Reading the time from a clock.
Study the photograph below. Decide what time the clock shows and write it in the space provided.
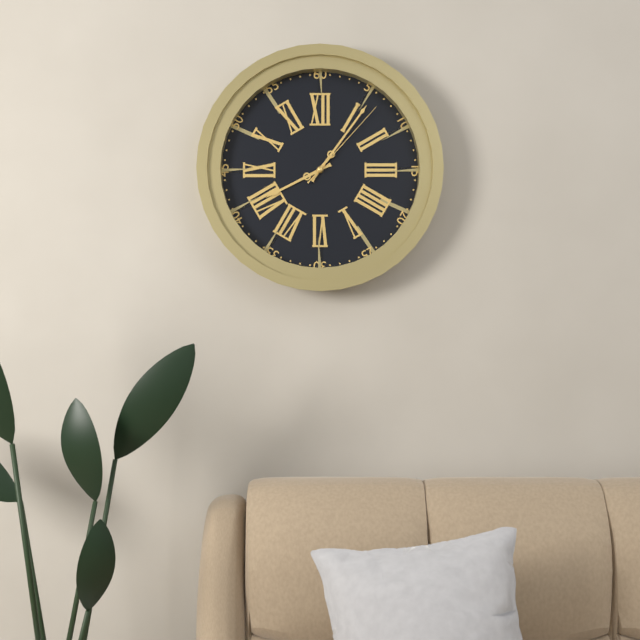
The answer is 8:06:07
